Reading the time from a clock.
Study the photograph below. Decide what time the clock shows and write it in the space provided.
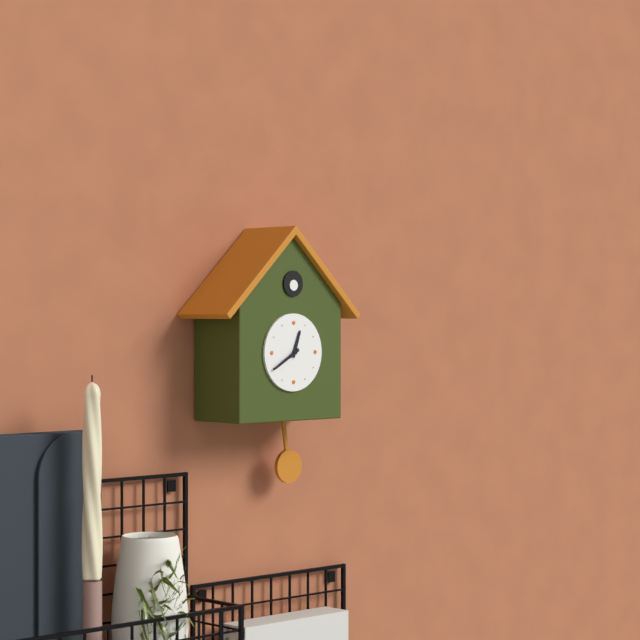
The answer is 12:40
